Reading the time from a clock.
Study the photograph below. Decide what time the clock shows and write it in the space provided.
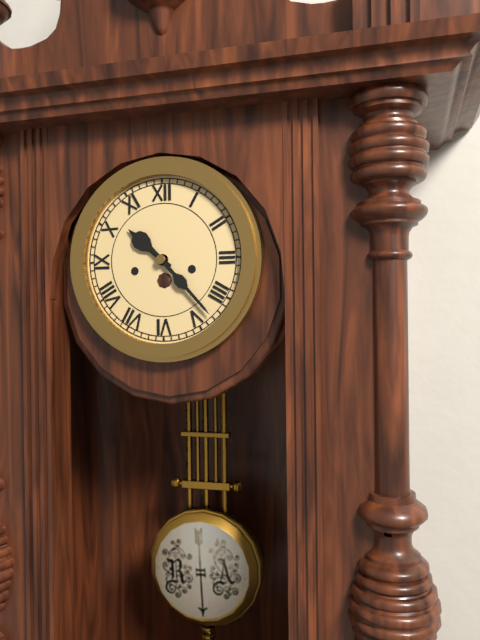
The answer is 10:23
